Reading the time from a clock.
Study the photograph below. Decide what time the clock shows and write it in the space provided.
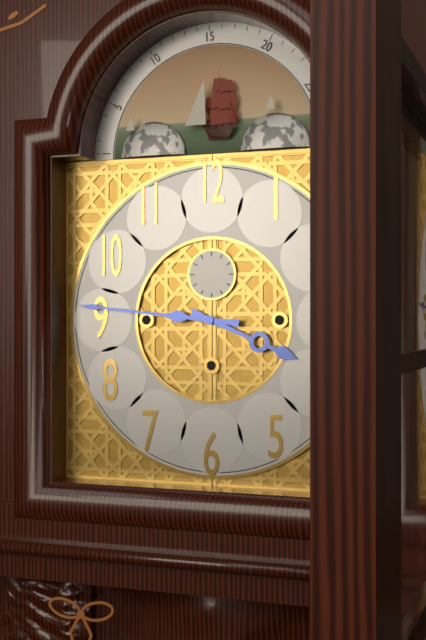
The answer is 3:46
